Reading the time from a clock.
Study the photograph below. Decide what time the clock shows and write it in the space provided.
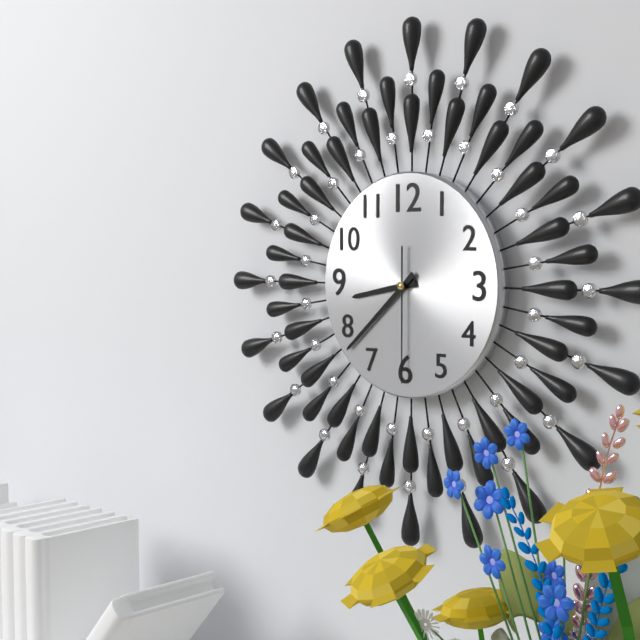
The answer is 8:38:30
